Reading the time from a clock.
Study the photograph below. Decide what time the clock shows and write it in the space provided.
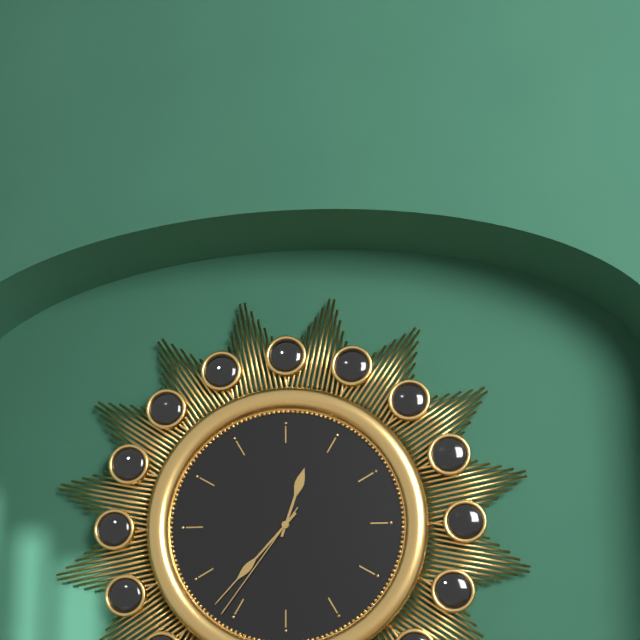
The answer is 12:37:36
